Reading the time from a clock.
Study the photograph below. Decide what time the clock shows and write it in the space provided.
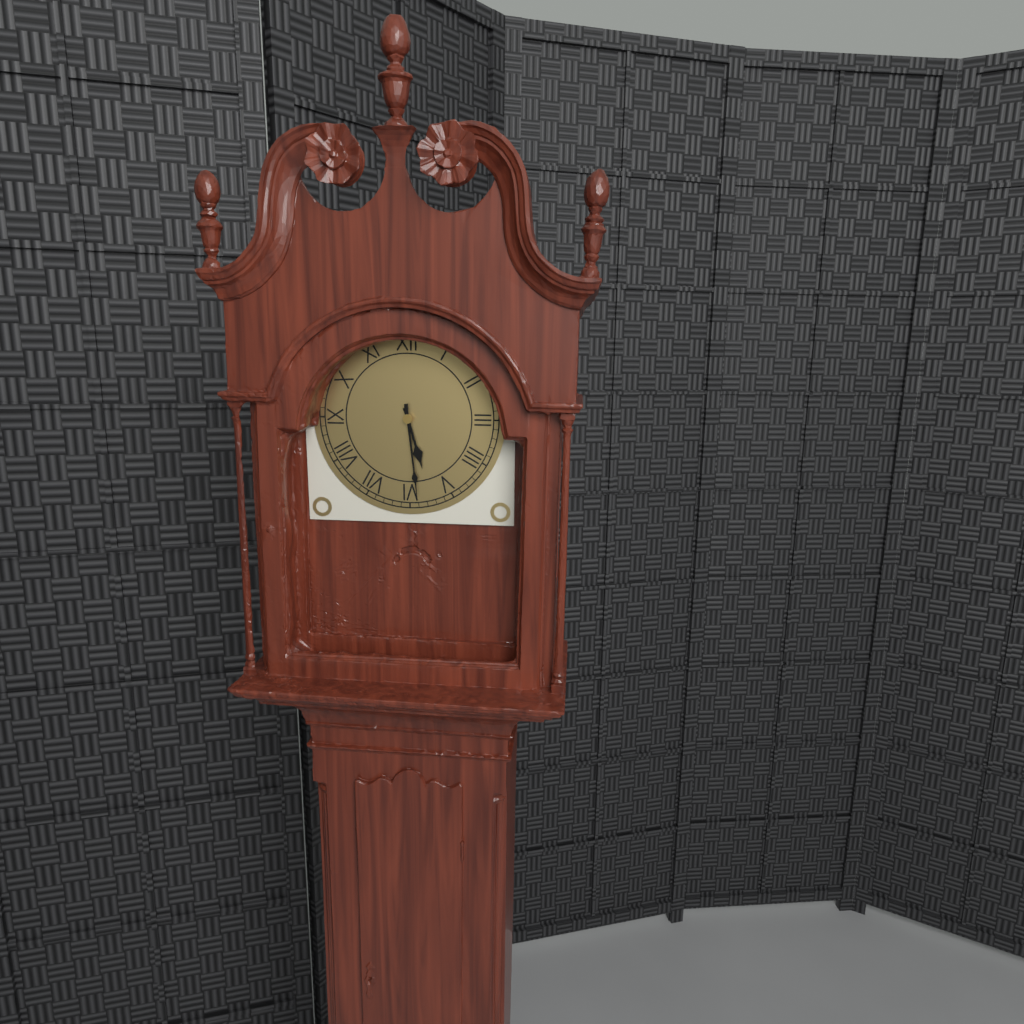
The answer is 5:29
